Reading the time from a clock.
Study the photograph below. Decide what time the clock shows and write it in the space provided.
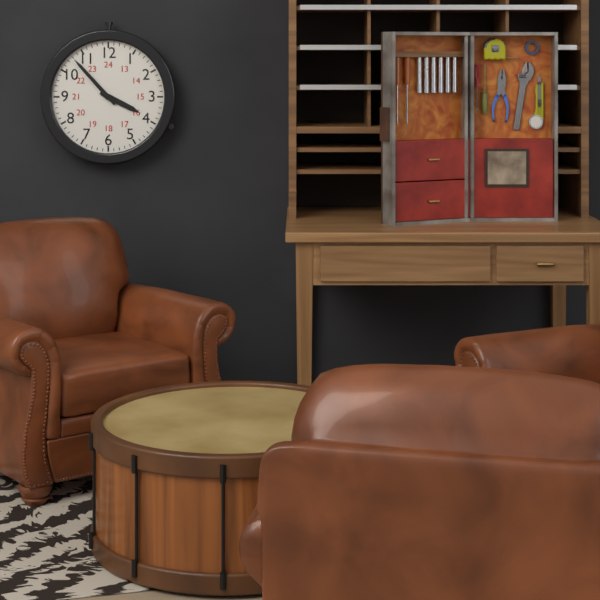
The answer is 3:53
